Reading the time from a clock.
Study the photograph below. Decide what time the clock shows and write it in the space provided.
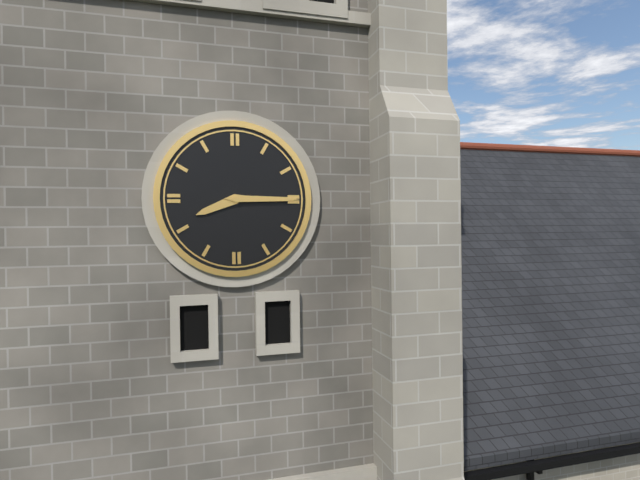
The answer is 8:15
